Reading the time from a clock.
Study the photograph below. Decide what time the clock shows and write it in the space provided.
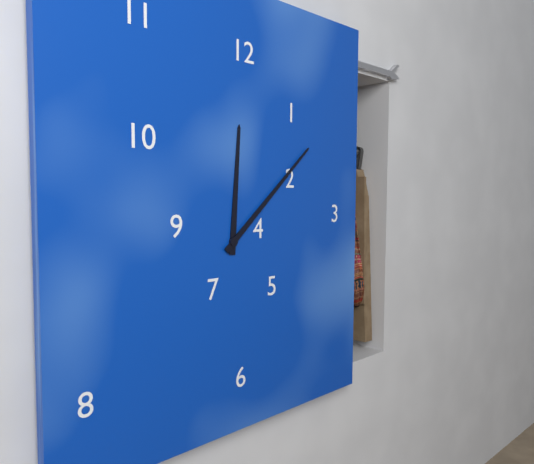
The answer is 12:08
